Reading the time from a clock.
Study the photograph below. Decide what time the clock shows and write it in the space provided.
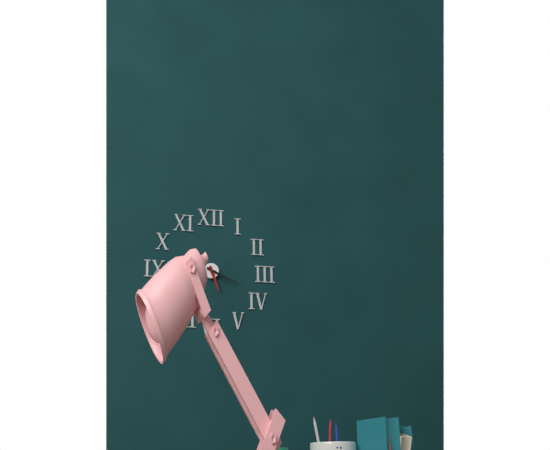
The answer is 5:19
